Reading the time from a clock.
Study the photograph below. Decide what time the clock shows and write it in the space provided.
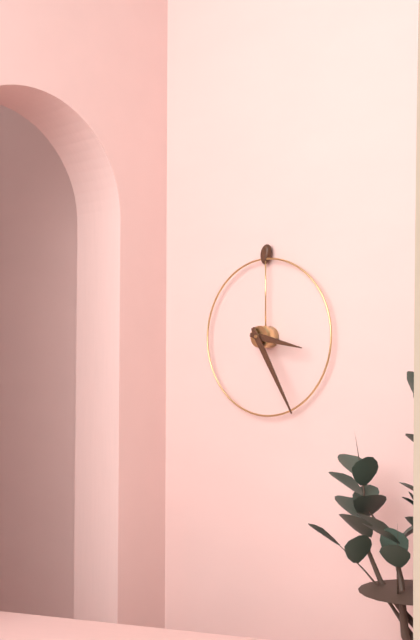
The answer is 3:25
